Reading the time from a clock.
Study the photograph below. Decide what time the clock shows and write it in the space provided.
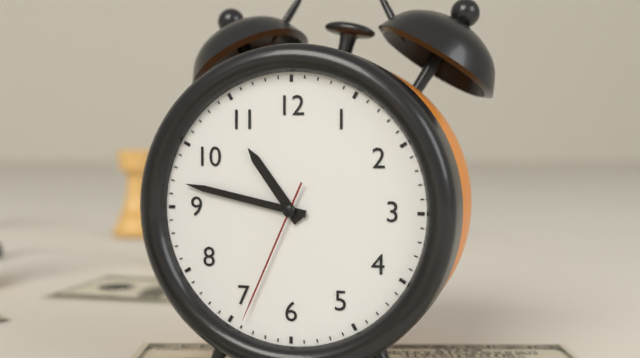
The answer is 10:47:34
